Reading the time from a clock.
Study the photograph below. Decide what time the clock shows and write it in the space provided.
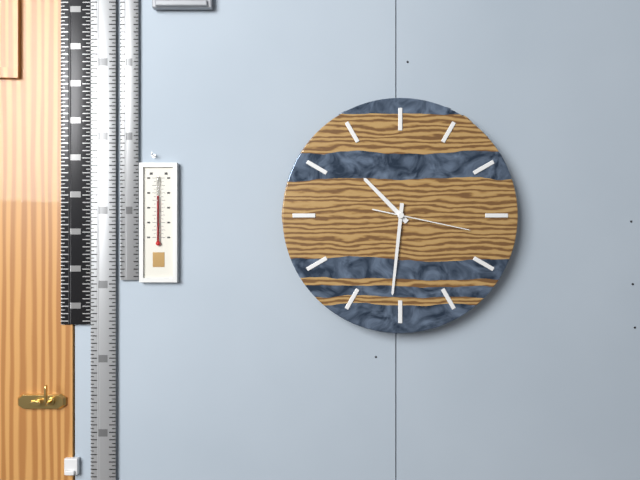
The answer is 10:31:17
